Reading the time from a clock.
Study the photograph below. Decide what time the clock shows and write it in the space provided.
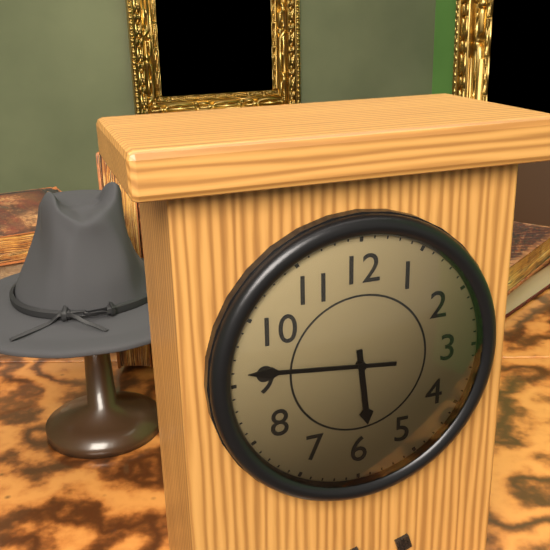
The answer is 5:46
